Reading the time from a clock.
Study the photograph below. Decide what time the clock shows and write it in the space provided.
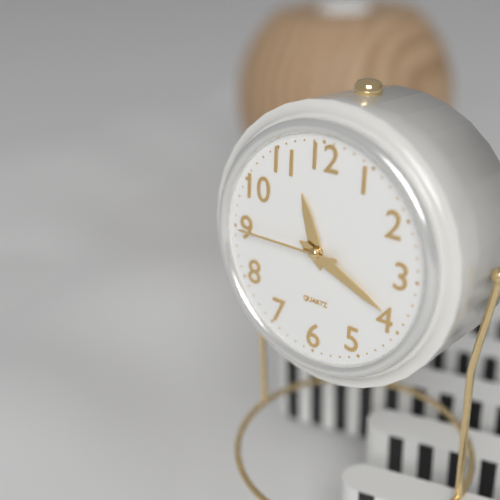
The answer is 11:19:45
